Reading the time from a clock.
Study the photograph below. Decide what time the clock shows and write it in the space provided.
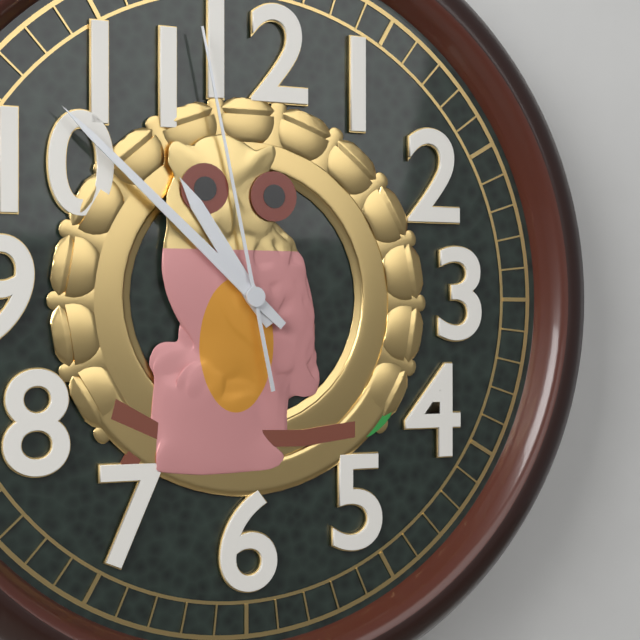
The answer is 10:52:58
